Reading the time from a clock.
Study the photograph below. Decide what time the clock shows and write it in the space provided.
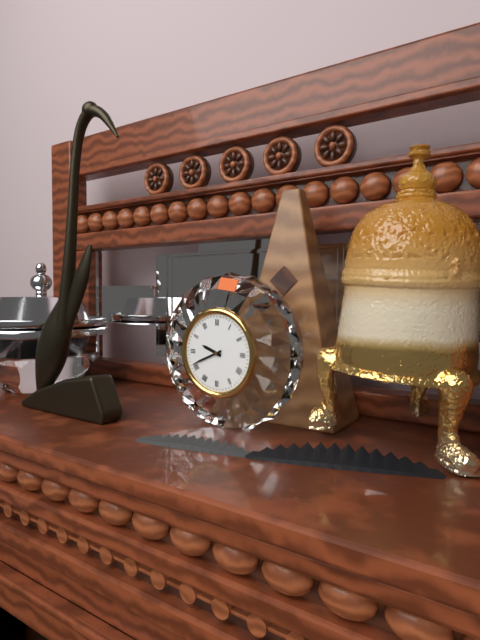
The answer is 9:41
